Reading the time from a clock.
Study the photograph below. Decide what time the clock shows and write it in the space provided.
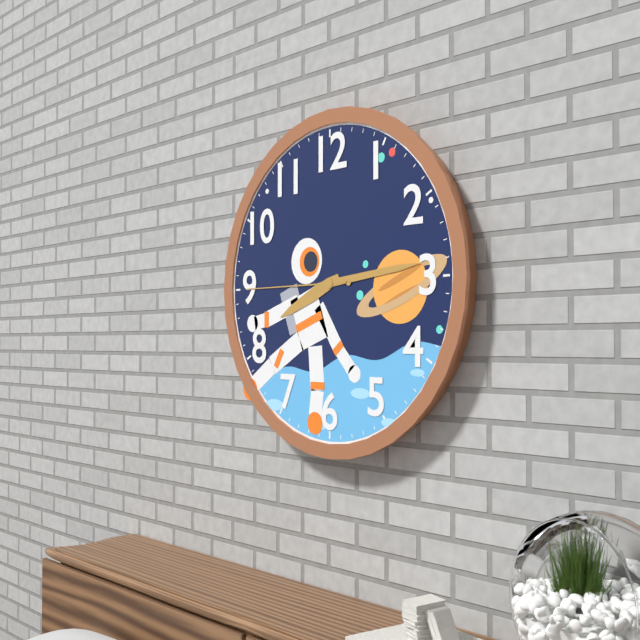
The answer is 8:14:45
